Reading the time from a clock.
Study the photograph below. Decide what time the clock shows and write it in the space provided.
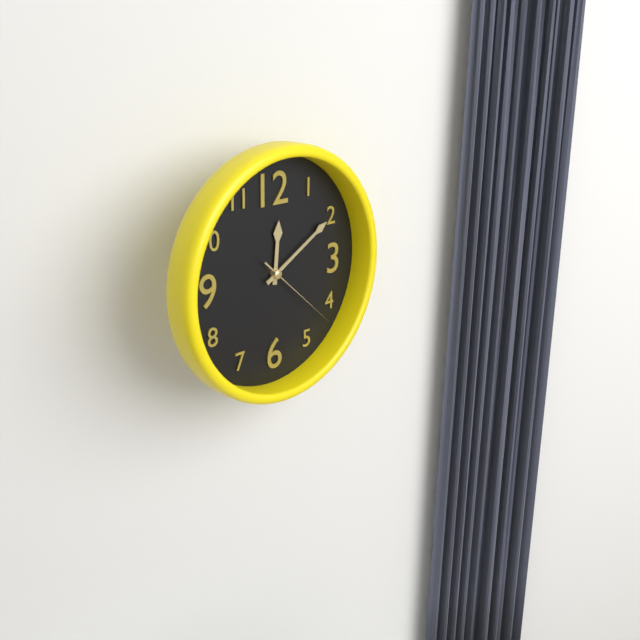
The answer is 12:10:22
